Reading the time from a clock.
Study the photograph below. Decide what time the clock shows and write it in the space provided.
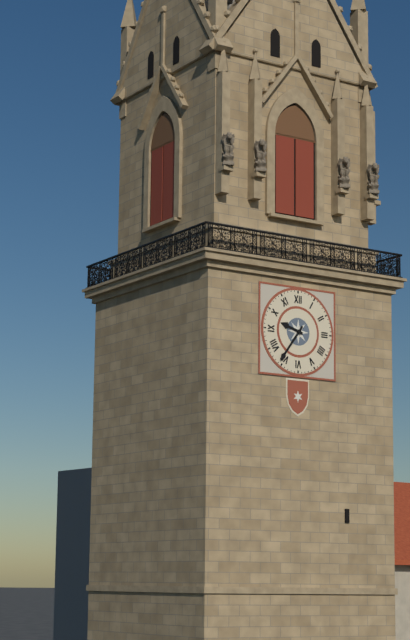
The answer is 9:36
